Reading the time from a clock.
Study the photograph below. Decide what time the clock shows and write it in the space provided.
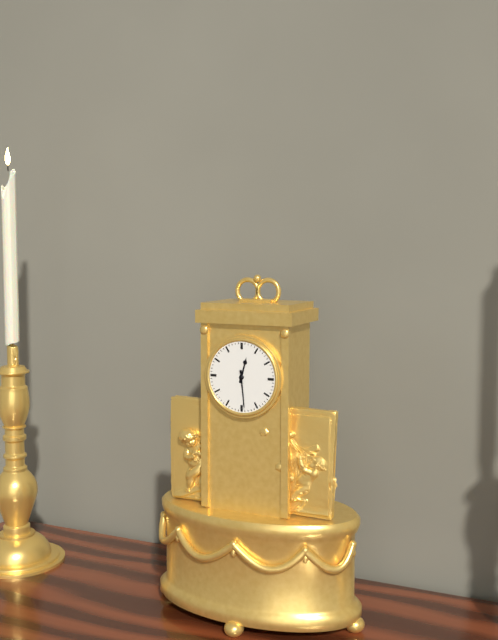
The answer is 12:29
